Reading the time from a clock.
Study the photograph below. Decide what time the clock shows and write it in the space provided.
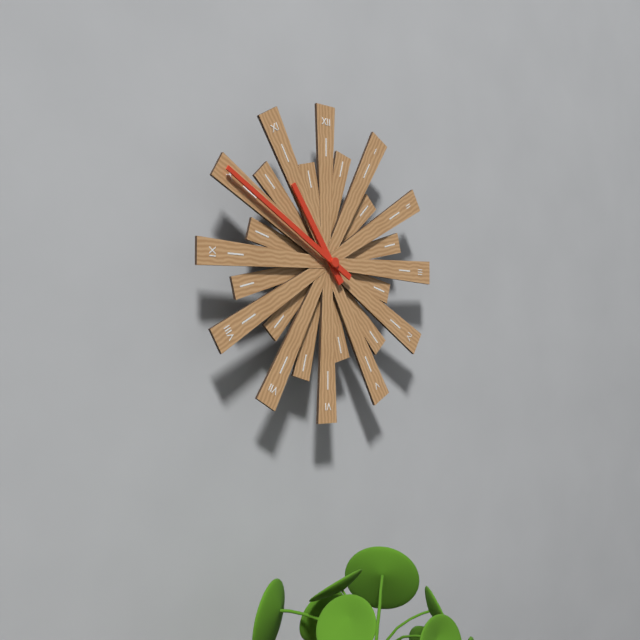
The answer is 10:50
